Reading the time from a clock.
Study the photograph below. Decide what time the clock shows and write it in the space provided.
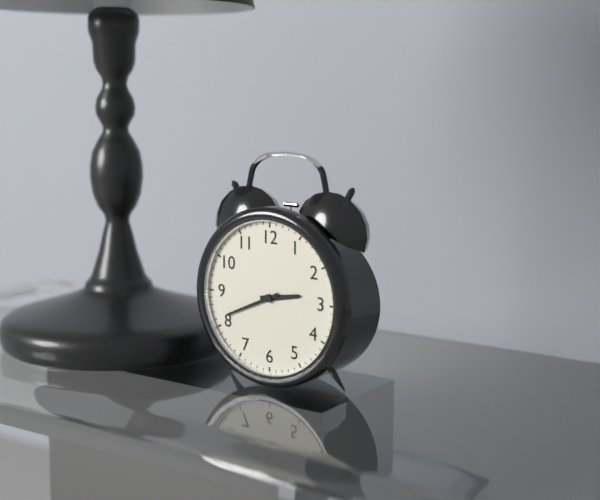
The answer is 2:41
